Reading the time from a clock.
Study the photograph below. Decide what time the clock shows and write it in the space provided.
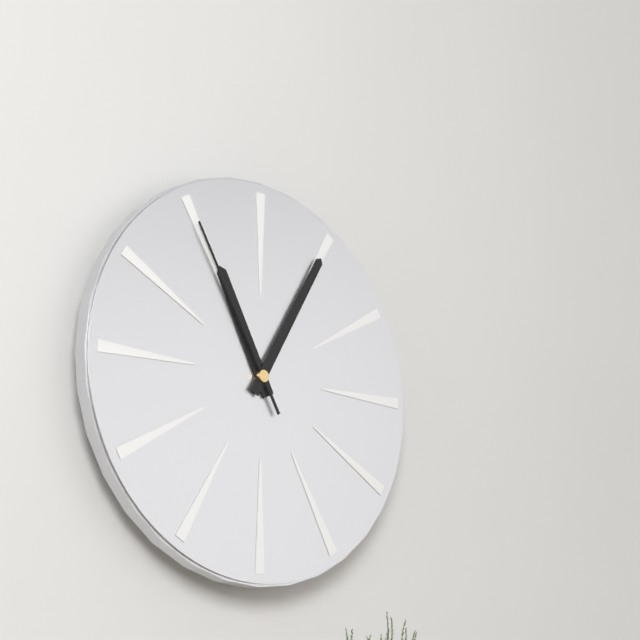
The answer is 11:05:55
